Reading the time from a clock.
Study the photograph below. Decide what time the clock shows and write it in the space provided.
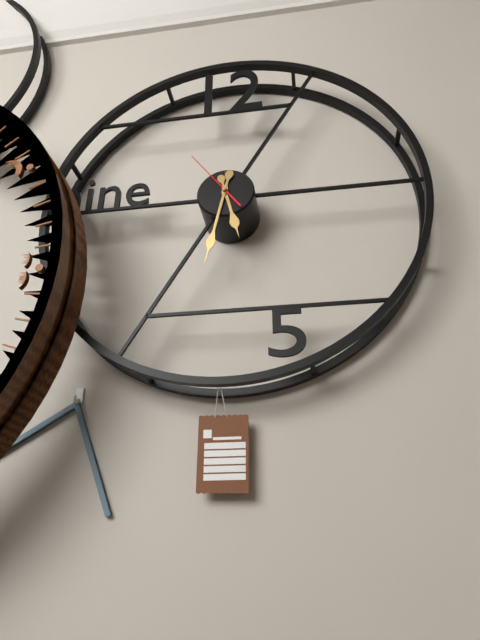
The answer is 5:32:54
